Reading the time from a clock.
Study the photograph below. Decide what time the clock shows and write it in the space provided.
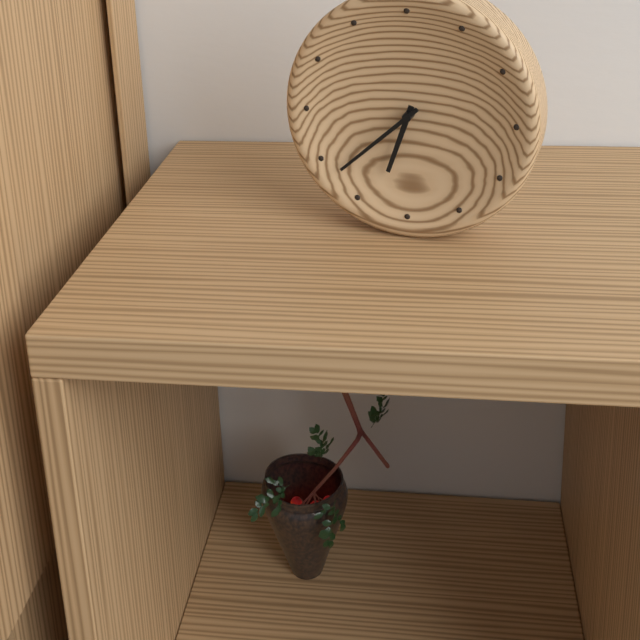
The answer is 6:38
